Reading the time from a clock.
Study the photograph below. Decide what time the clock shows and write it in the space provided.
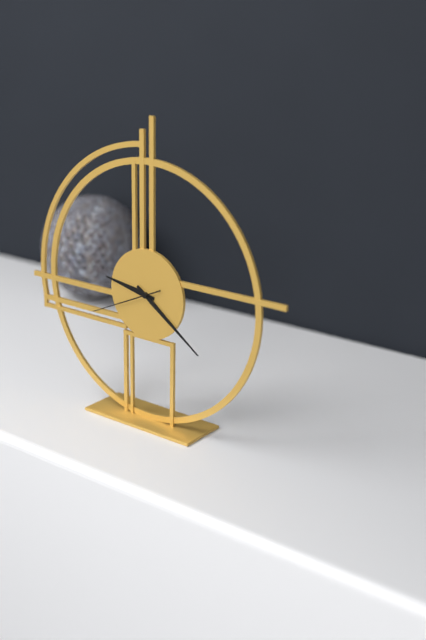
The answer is 9:21:41
